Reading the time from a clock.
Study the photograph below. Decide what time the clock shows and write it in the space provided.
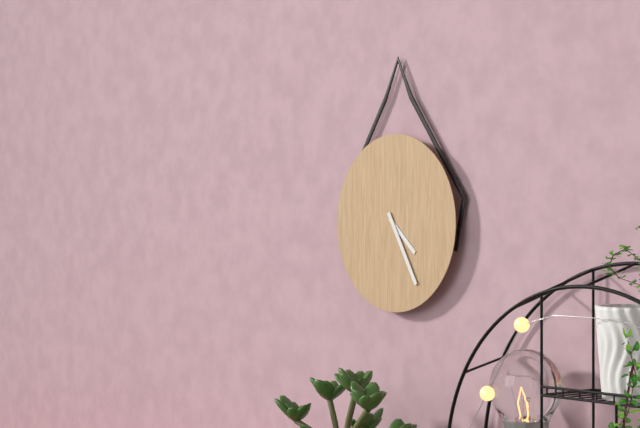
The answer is 4:25
